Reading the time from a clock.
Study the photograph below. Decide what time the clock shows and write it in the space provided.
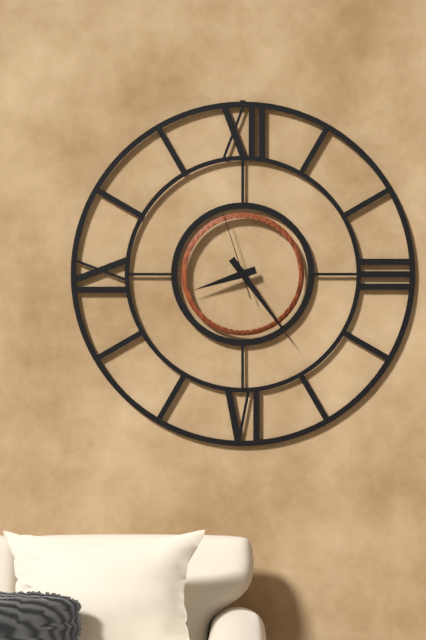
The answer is 8:24:57
